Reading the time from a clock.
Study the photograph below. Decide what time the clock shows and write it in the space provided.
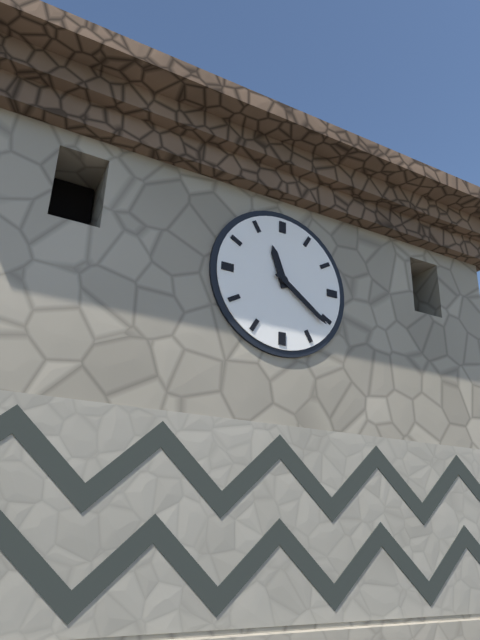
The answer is 11:21
